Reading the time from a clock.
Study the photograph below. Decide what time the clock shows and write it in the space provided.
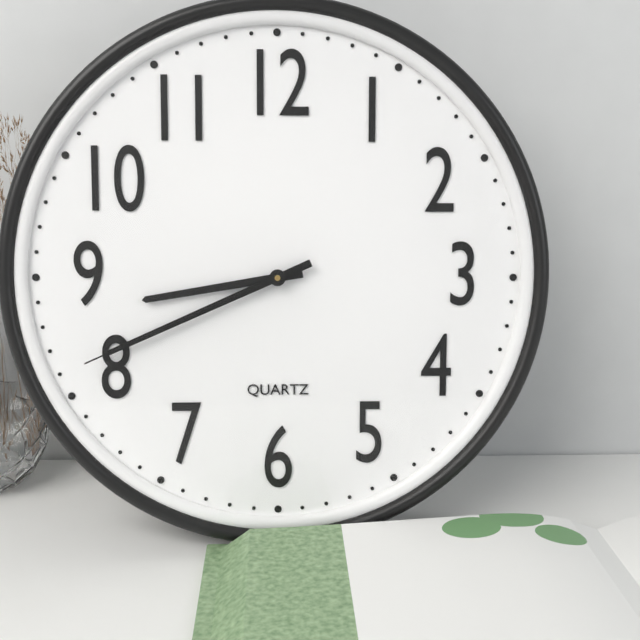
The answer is 8:41:41
